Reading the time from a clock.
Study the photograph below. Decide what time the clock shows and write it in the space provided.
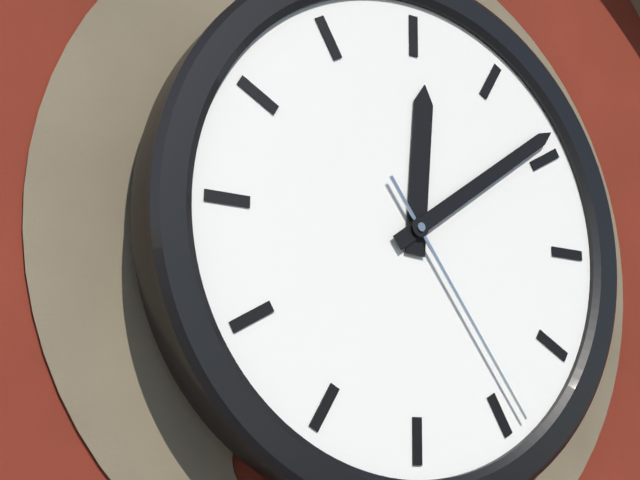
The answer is 12:09:24
